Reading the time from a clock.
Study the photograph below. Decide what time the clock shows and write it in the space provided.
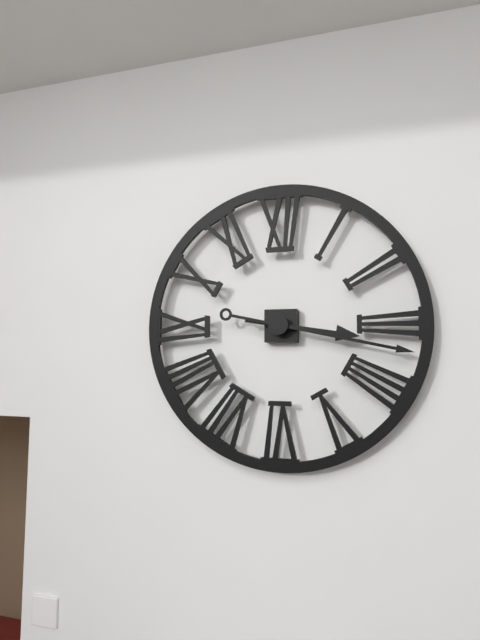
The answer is 3:17
